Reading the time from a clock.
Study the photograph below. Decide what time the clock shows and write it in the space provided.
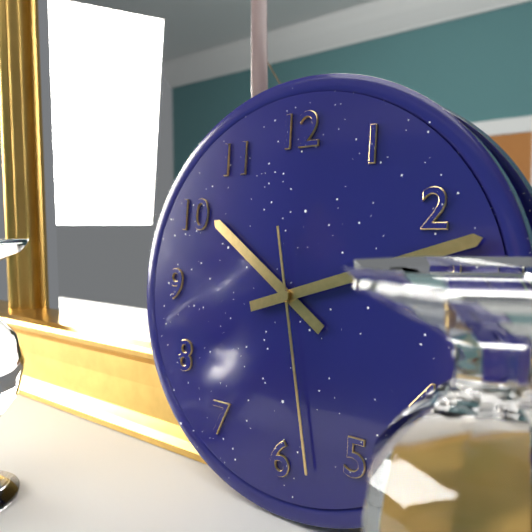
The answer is 10:12:28
